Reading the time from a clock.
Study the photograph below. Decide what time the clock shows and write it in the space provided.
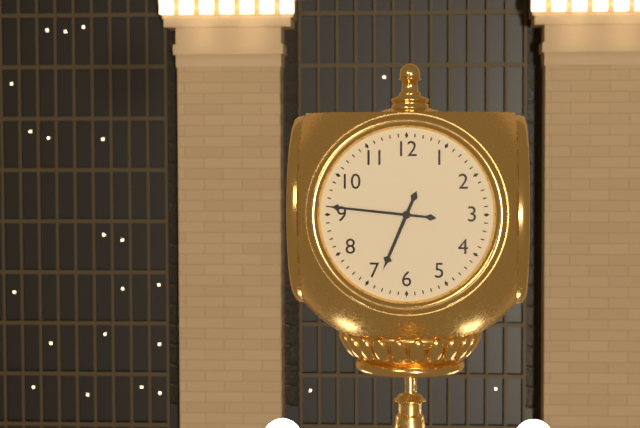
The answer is 6:46
